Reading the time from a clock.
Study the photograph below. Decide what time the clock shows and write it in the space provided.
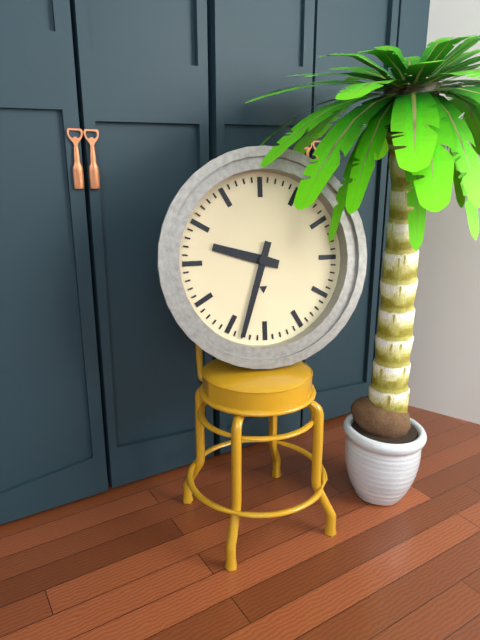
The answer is 9:33
